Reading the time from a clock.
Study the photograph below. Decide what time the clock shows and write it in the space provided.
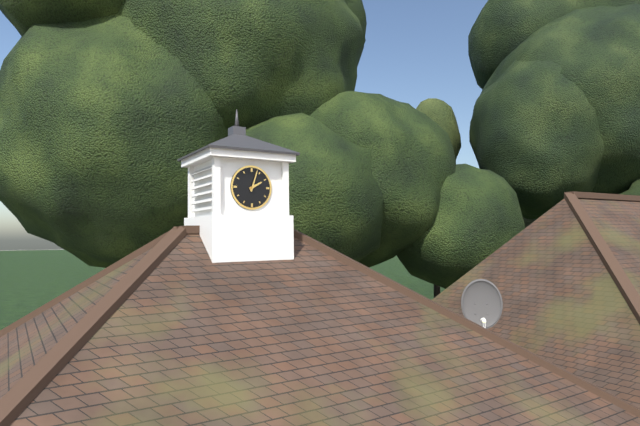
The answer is 2:03
